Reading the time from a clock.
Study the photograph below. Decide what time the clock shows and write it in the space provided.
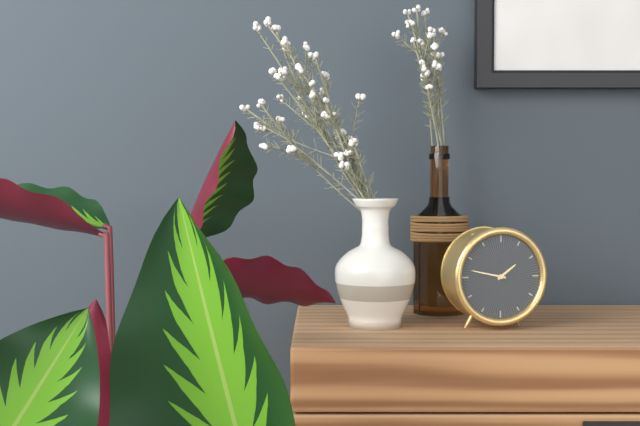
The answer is 1:47
